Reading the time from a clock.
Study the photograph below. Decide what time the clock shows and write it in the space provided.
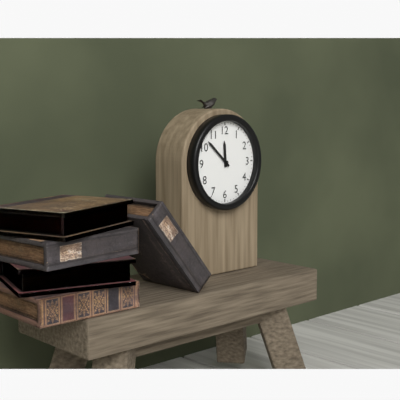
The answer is 11:52
